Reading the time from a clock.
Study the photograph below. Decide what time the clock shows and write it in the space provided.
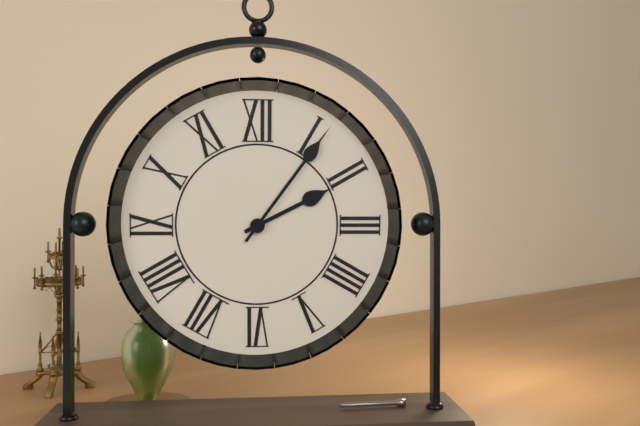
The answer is 2:06
